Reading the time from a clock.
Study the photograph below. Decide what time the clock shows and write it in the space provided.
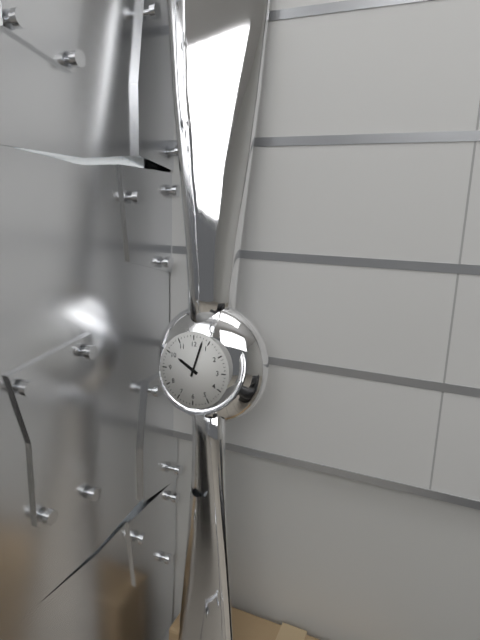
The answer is 10:03
